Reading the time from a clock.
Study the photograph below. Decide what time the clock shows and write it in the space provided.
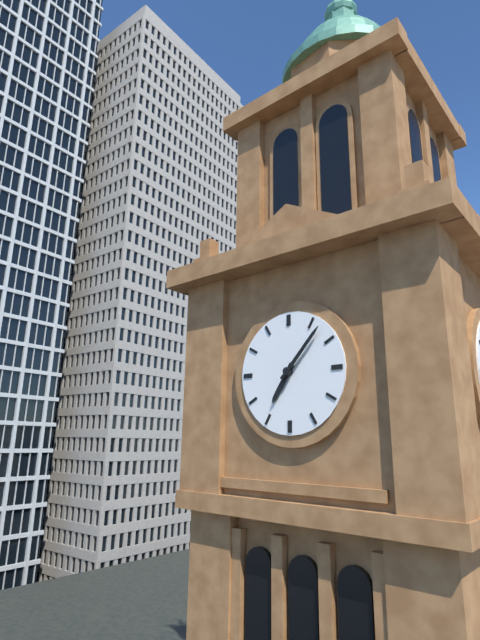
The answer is 7:07
